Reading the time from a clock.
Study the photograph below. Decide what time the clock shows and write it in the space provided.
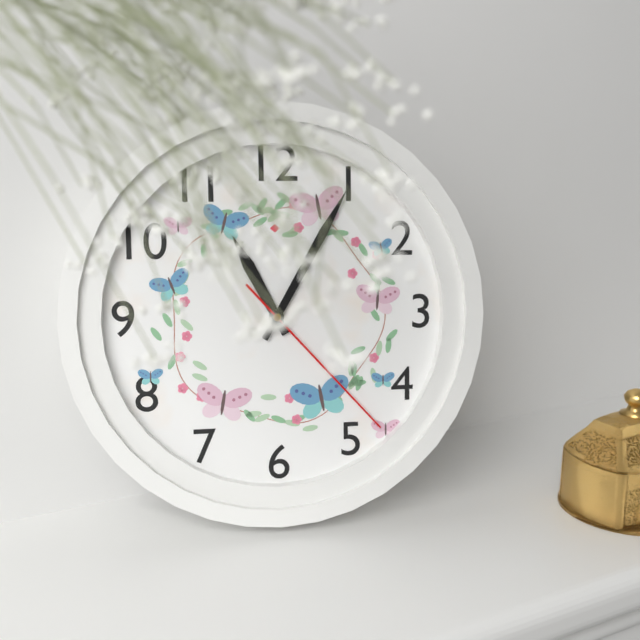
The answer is 11:05:23
